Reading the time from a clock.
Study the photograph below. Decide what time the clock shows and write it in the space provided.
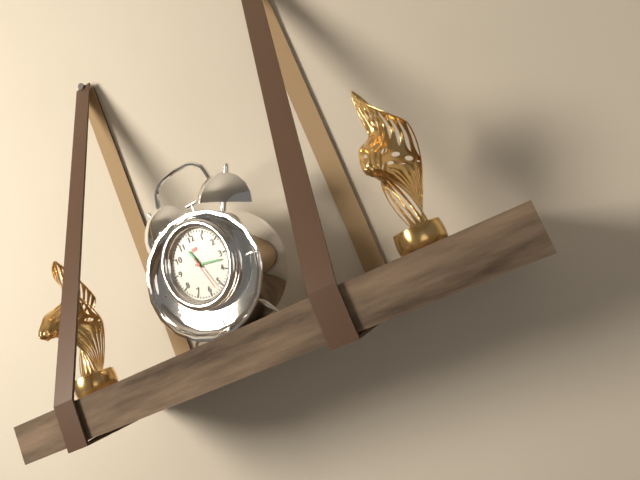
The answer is 11:17
